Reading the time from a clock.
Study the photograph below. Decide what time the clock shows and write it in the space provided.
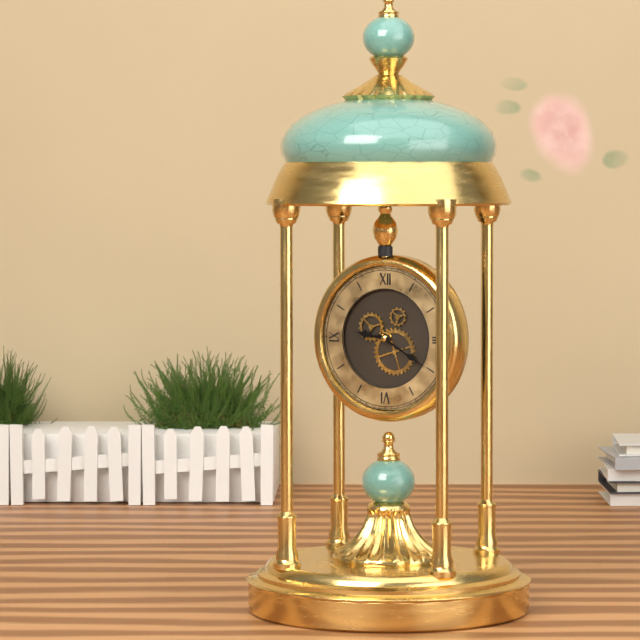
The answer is 9:20
